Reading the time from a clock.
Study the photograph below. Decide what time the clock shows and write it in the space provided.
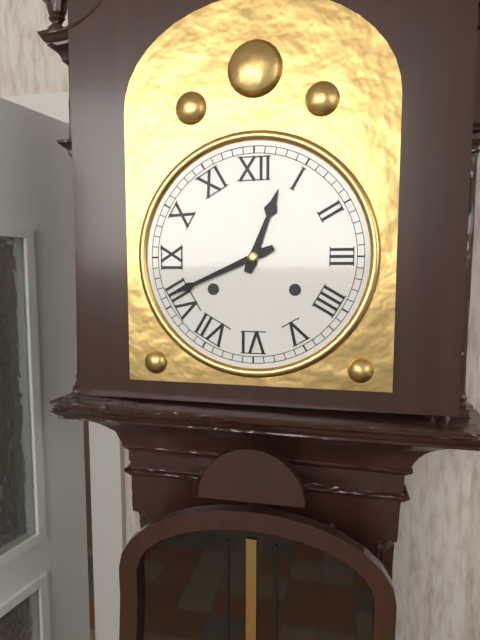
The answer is 12:41
